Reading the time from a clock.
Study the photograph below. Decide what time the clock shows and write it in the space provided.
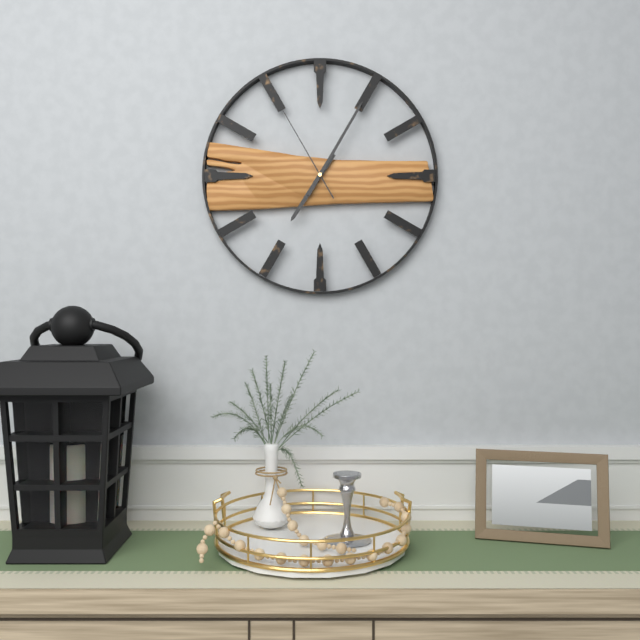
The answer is 7:05:55
